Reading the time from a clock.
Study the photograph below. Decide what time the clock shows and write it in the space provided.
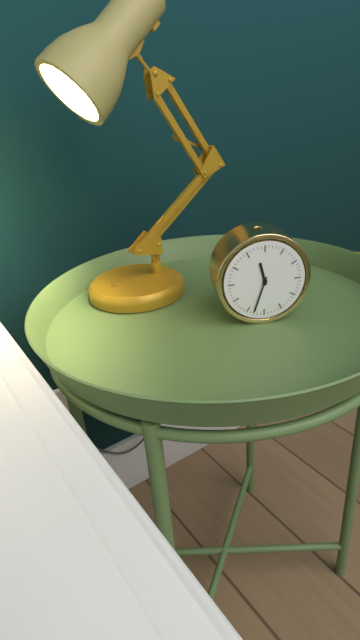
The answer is 11:33
